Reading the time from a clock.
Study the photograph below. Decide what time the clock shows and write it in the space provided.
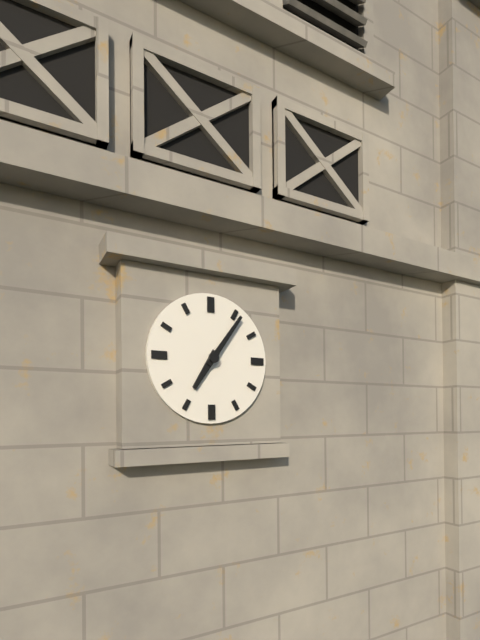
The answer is 7:06
